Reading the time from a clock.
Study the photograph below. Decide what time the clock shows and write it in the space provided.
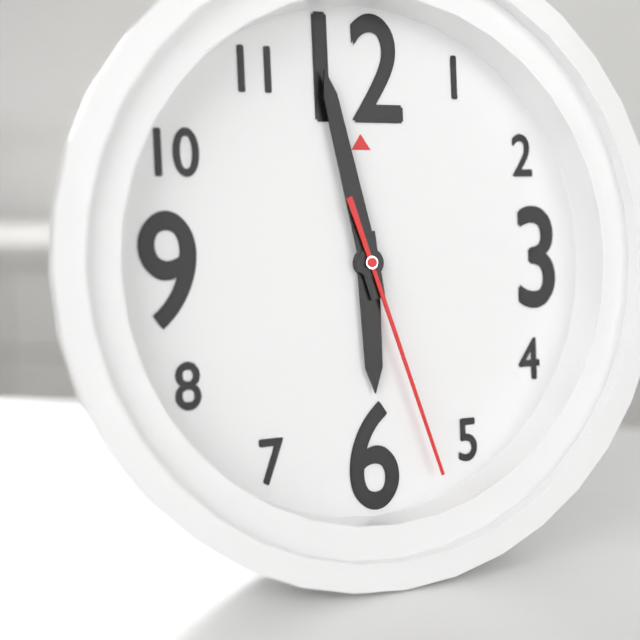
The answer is 5:58:27
